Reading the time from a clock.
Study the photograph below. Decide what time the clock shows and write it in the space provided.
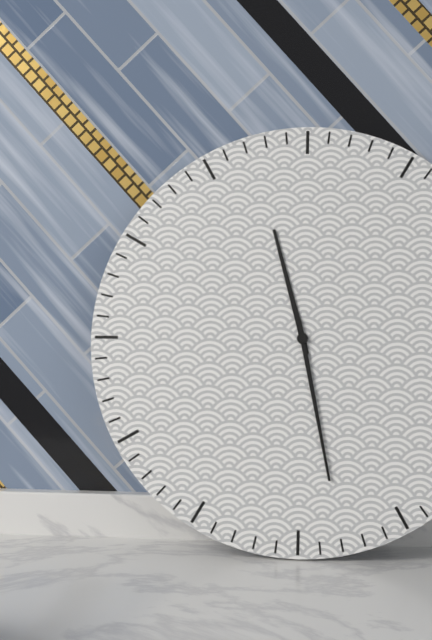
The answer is 11:28
